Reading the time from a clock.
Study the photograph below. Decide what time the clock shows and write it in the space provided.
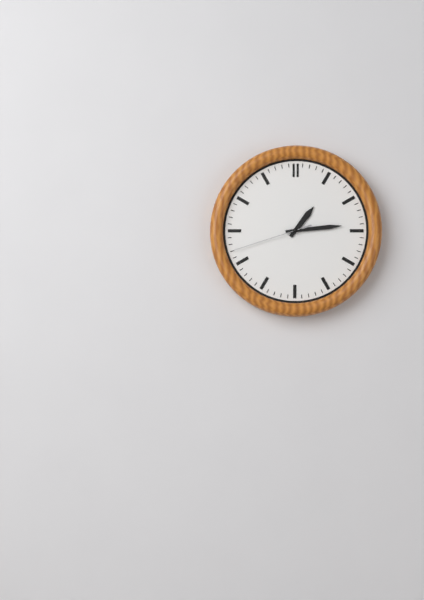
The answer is 1:14:42
